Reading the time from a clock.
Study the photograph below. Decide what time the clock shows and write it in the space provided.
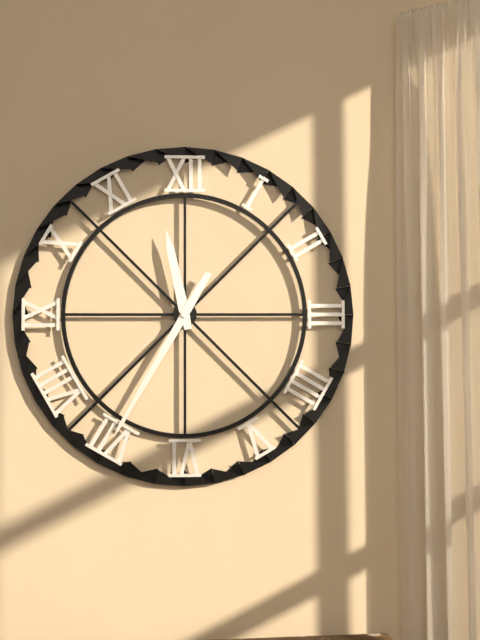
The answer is 11:35
